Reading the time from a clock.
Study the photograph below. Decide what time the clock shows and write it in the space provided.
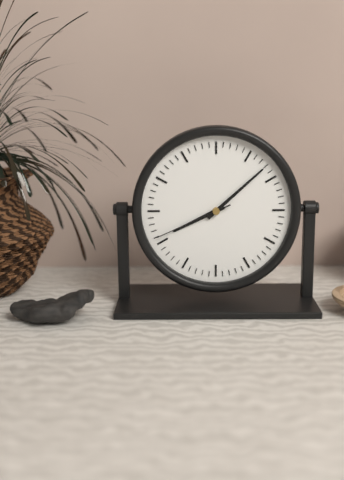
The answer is 8:08:41
